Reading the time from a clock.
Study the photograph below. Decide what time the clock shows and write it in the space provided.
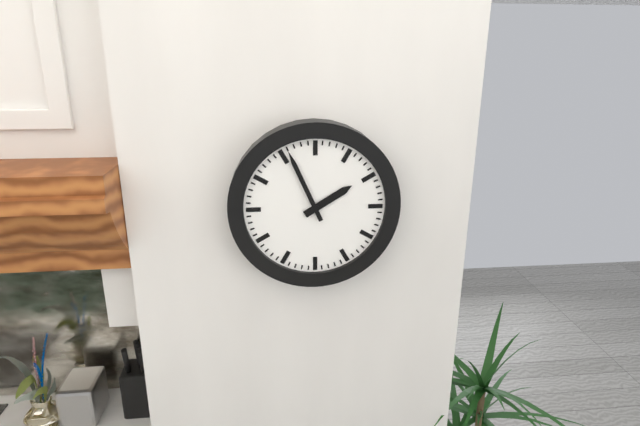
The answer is 1:56
